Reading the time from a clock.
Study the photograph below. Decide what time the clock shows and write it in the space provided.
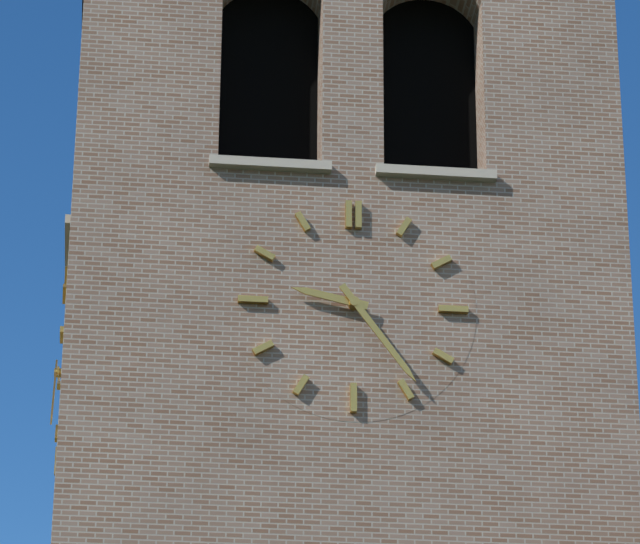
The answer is 9:24
